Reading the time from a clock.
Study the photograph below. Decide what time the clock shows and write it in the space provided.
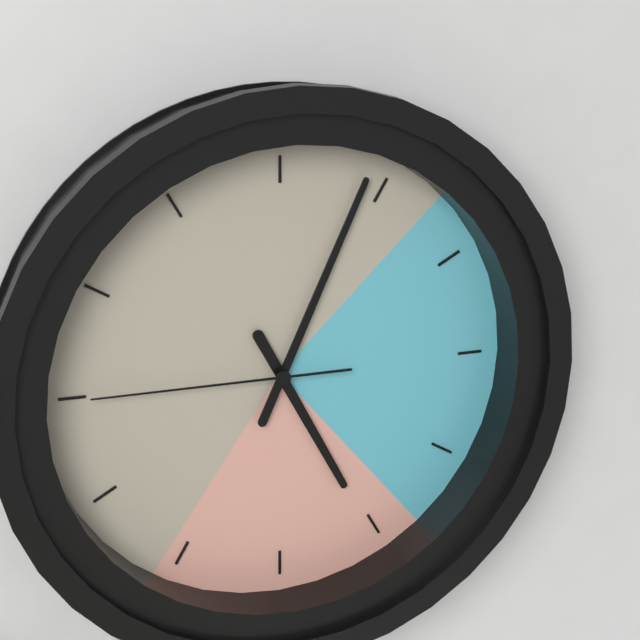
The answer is 5:04:45
